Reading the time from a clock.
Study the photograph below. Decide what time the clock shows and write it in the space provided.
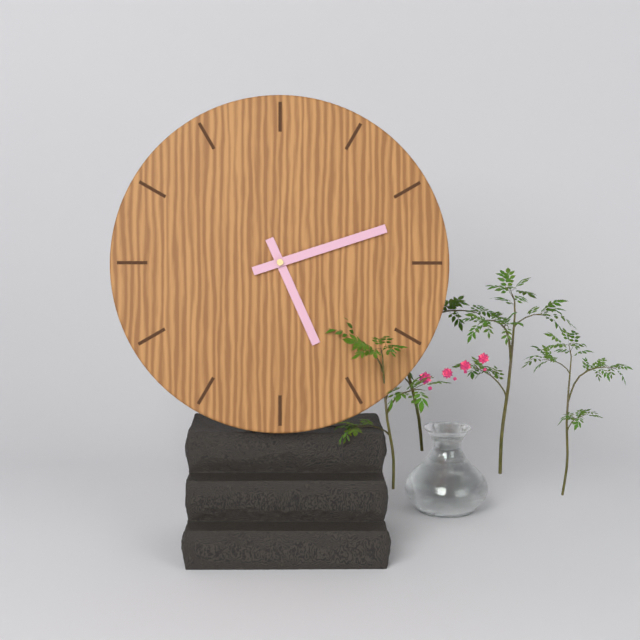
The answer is 5:12
